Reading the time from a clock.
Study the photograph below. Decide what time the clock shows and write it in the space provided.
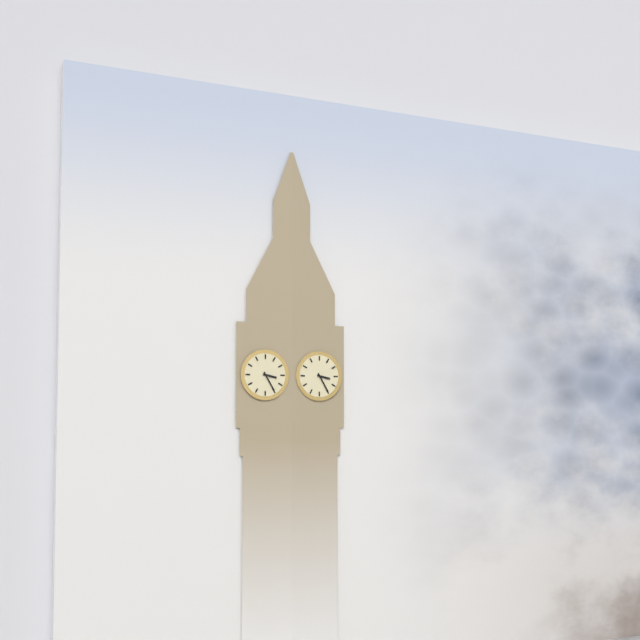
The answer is 3:25
